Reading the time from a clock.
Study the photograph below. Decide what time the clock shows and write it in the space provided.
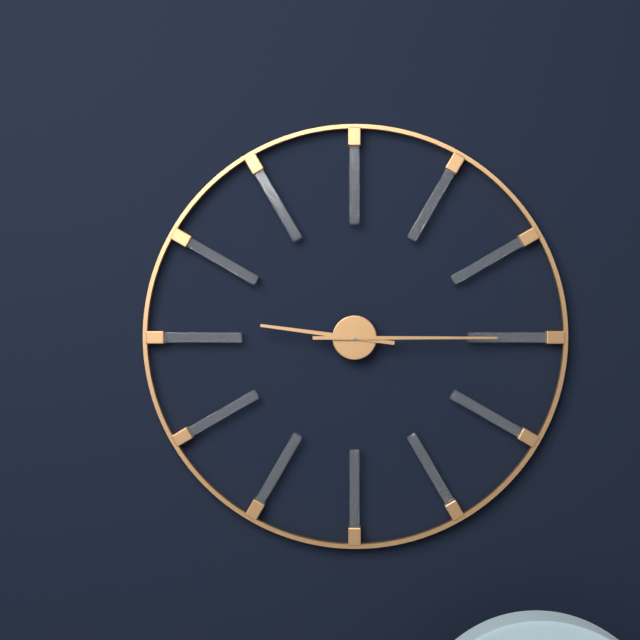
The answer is 9:15
